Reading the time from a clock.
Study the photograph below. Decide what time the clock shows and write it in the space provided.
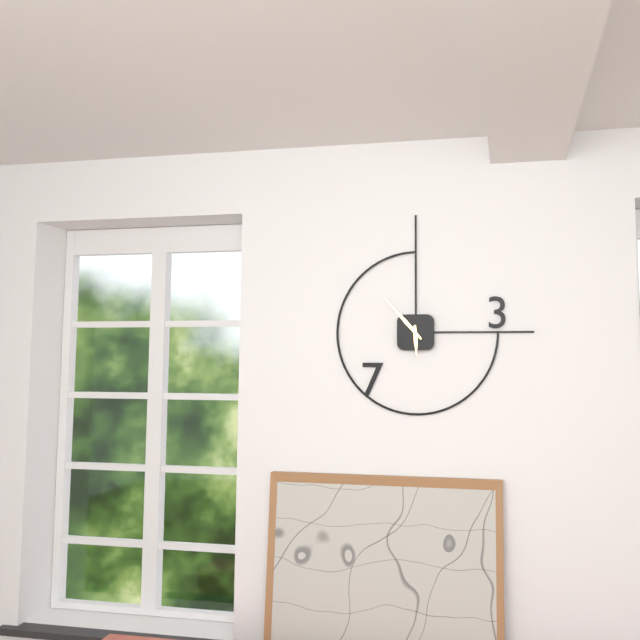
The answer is 5:53
